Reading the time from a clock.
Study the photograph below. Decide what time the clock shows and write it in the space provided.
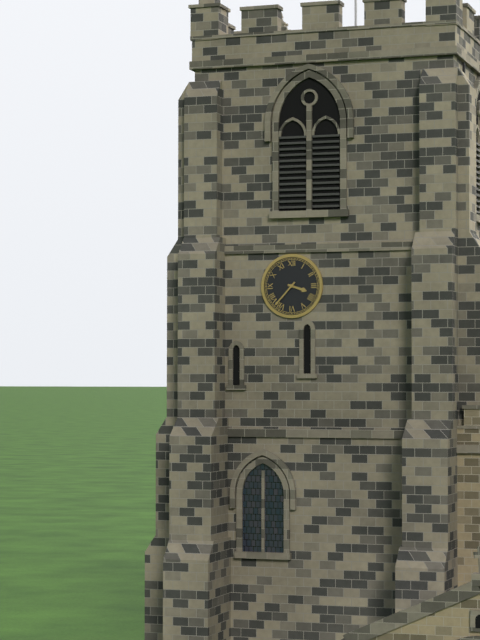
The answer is 3:37
